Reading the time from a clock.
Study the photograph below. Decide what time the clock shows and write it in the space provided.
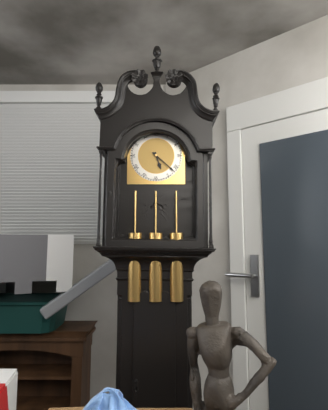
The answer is 5:22
